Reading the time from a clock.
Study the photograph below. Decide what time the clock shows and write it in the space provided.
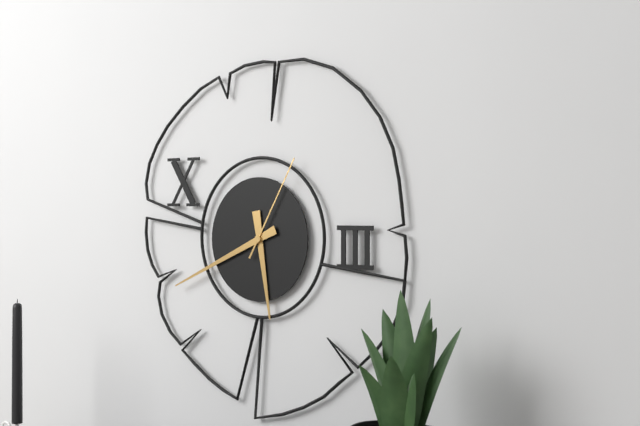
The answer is 5:41:05
